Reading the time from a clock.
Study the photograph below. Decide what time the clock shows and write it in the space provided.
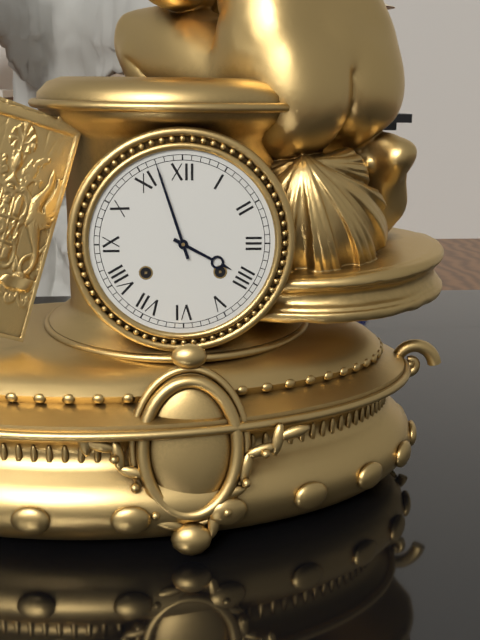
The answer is 3:57
